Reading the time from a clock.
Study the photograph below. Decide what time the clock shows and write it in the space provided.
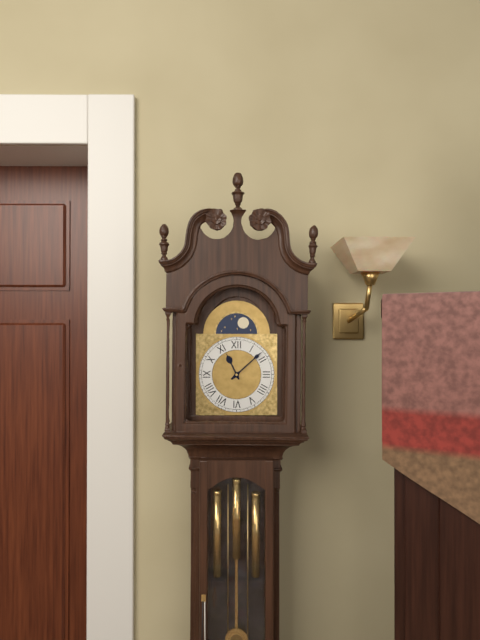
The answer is 11:08
